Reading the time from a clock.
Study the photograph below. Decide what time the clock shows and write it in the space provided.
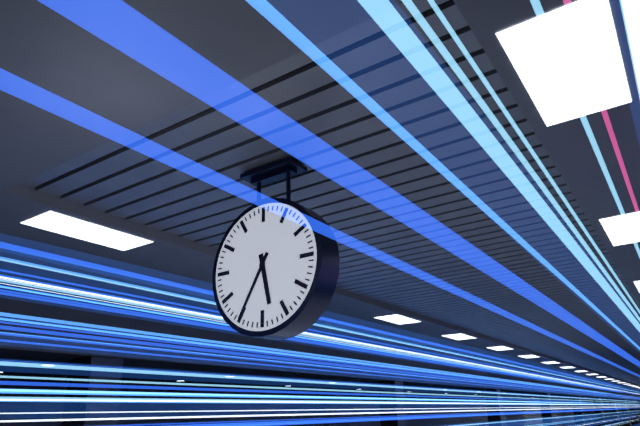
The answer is 5:35
